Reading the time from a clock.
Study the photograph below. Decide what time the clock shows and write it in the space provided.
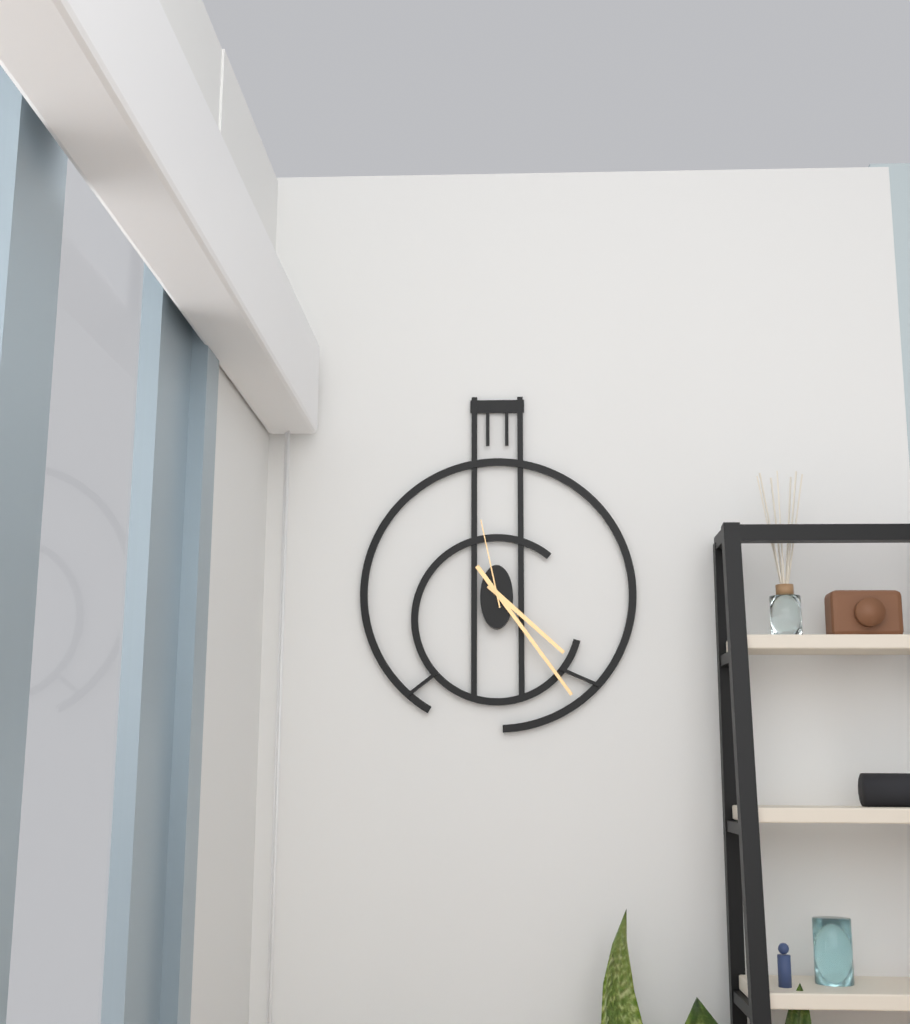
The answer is 4:24:58
